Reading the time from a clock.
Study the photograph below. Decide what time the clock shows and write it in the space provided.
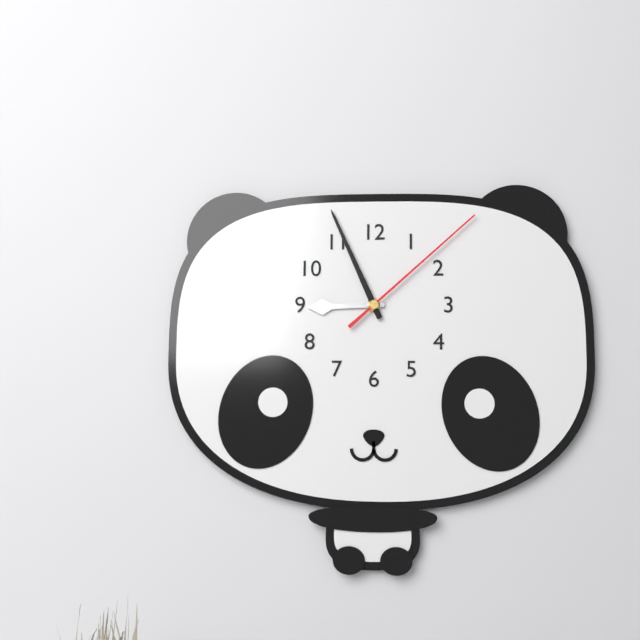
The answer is 8:56:08
